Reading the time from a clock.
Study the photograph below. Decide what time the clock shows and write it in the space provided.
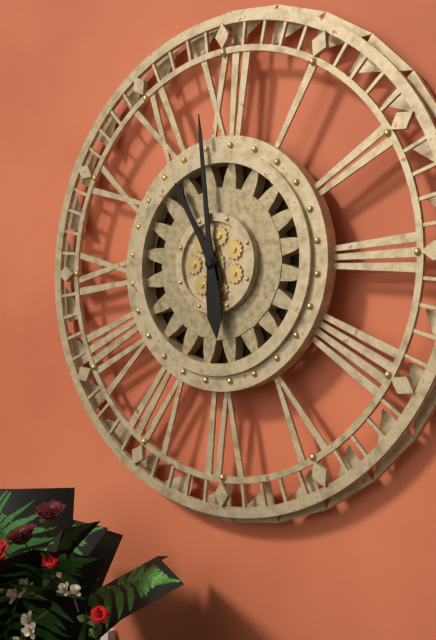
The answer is 10:59
